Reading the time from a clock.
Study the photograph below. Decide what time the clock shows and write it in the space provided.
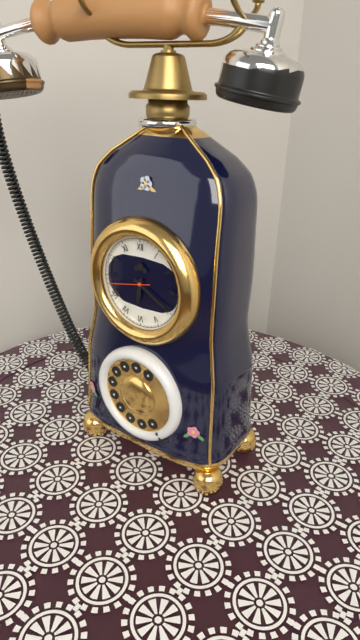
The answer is 6:20
